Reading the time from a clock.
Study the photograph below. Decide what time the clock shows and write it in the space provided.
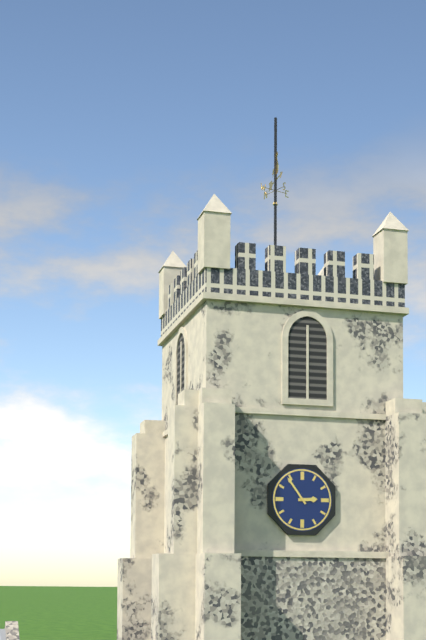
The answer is 2:54
